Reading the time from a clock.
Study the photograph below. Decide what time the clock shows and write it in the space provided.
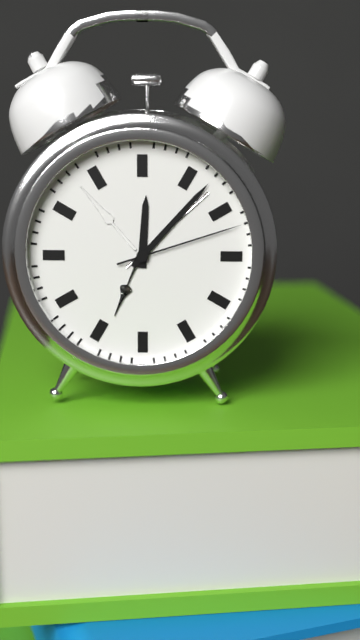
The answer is 12:07:12
